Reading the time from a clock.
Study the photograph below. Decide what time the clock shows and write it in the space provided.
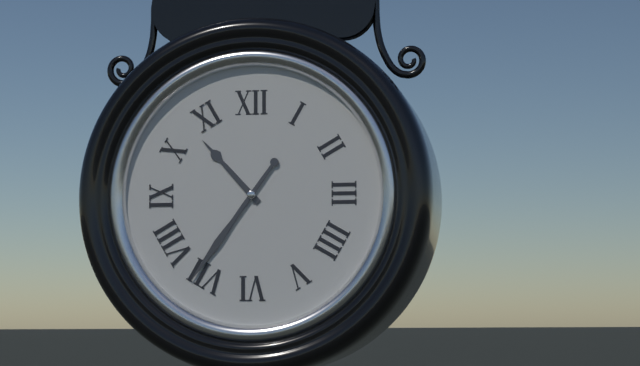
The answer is 10:36
